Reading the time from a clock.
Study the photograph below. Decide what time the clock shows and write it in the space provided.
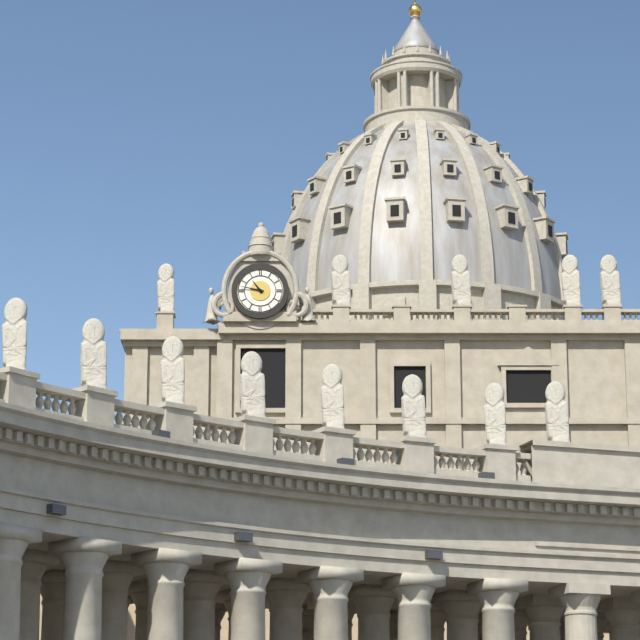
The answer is 10:47
